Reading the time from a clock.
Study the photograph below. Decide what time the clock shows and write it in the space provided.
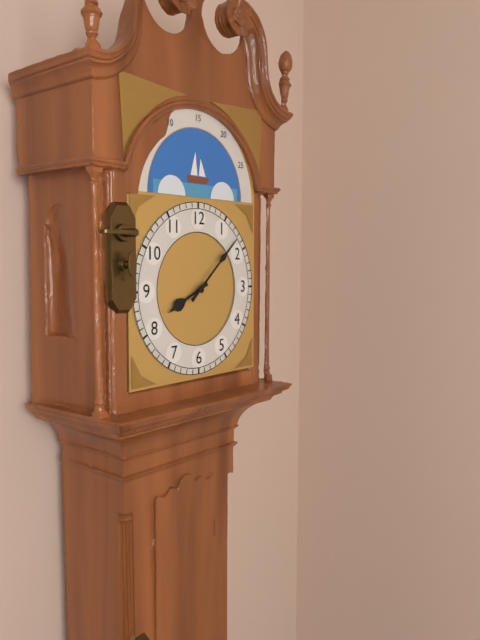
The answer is 8:08
